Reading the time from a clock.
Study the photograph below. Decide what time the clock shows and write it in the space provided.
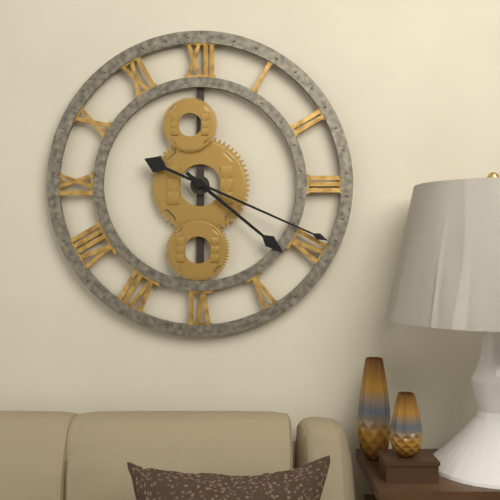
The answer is 4:19
